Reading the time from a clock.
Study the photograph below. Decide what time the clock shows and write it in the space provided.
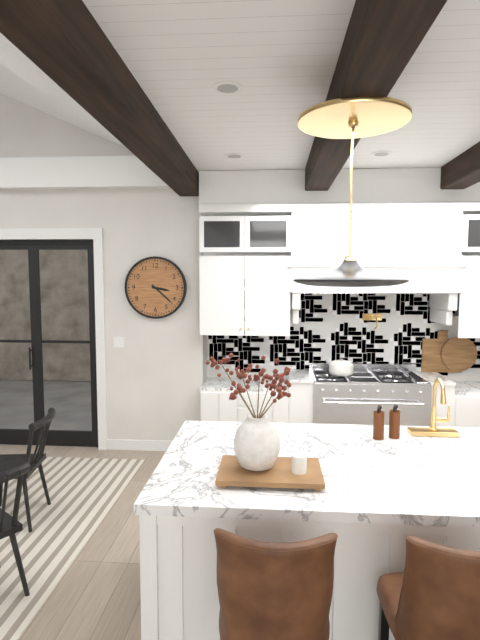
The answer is 3:22
